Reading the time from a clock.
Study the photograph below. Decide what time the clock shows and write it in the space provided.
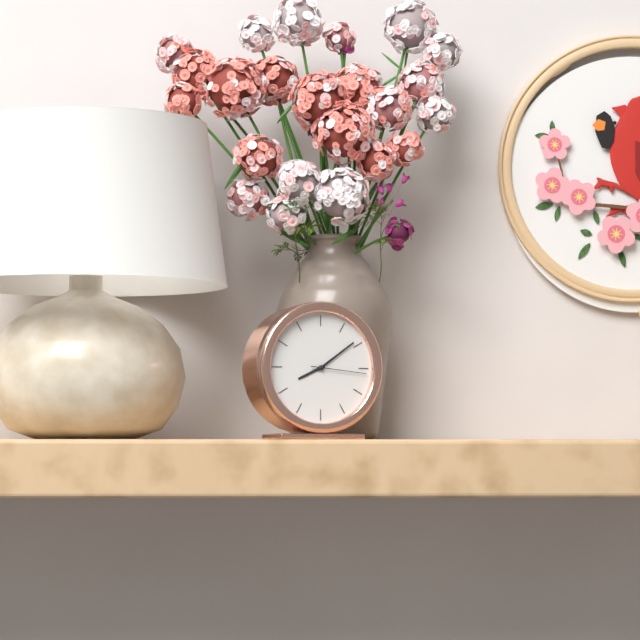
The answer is 8:09:16
